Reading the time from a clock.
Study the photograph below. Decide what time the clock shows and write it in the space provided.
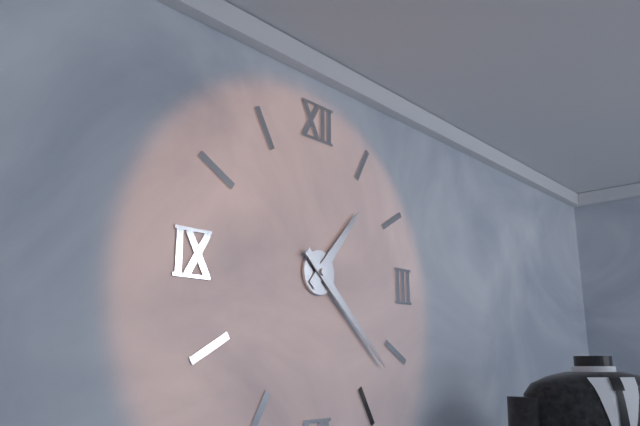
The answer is 1:22
